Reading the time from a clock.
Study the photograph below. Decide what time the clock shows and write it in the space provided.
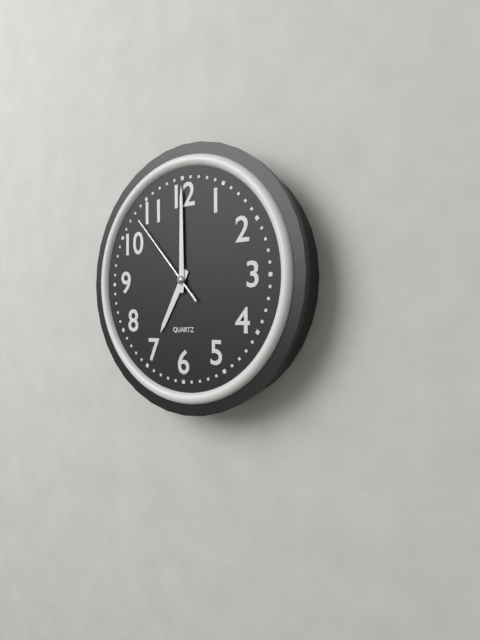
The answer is 7:00:53
